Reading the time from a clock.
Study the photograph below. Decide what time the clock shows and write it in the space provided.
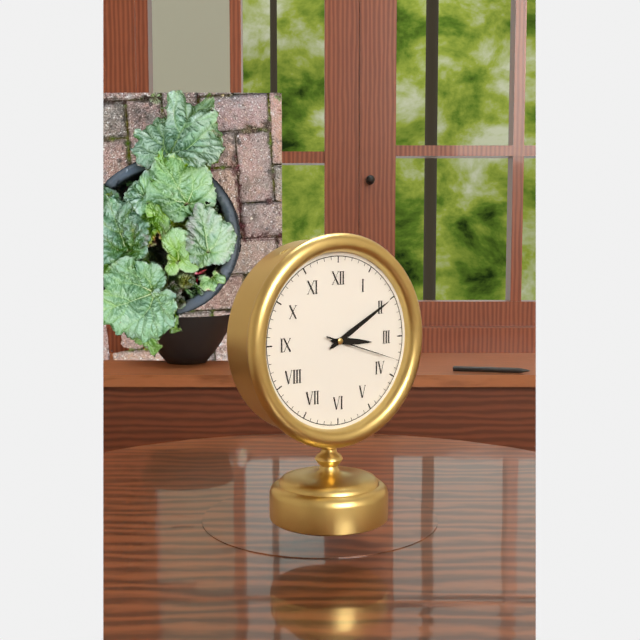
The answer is 3:10:18
